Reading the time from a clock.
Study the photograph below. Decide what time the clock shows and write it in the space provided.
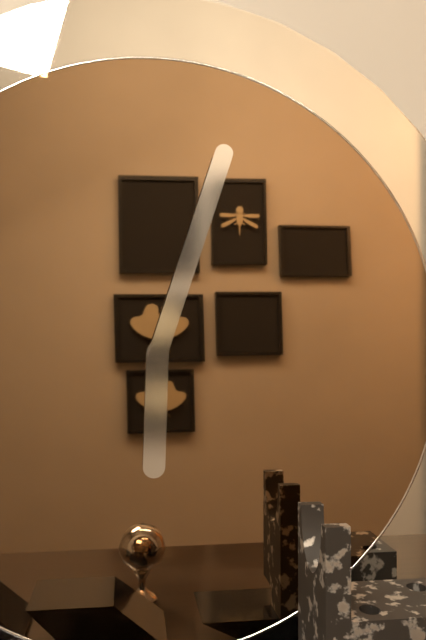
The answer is 6:03
